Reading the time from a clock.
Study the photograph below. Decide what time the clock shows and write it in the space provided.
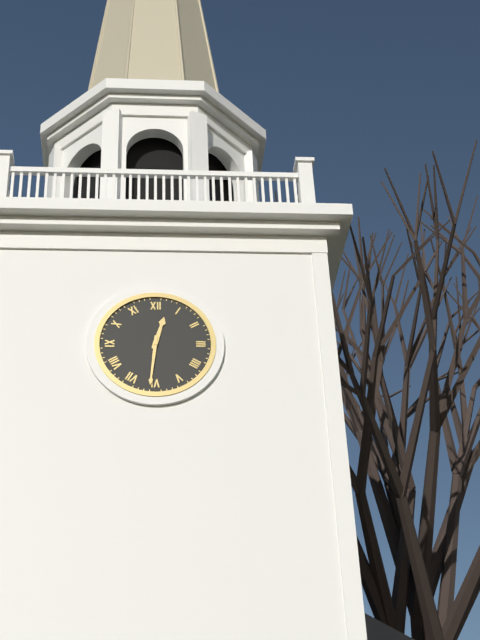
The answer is 12:31
